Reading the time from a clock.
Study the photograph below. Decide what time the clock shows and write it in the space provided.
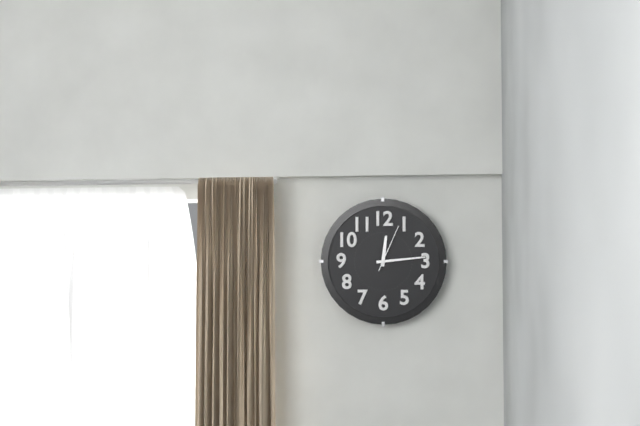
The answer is 12:14
